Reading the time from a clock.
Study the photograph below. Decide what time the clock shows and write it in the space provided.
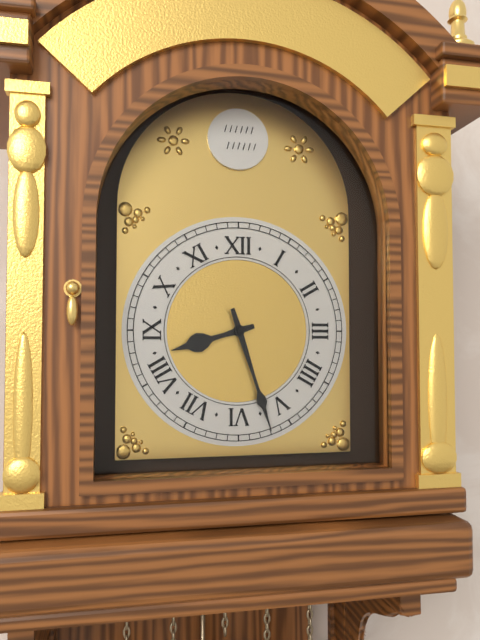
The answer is 8:27
